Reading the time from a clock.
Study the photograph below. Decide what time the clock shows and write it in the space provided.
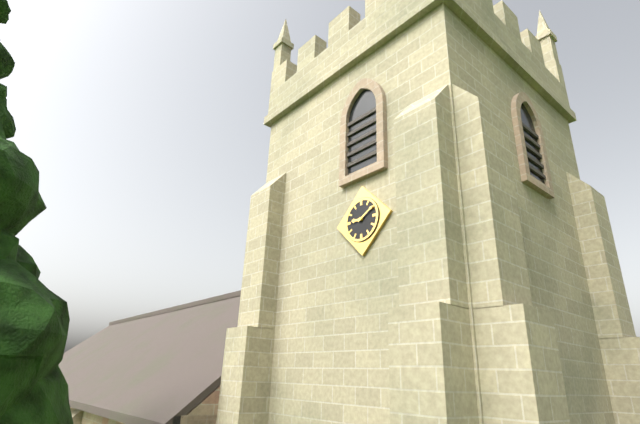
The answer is 9:10
